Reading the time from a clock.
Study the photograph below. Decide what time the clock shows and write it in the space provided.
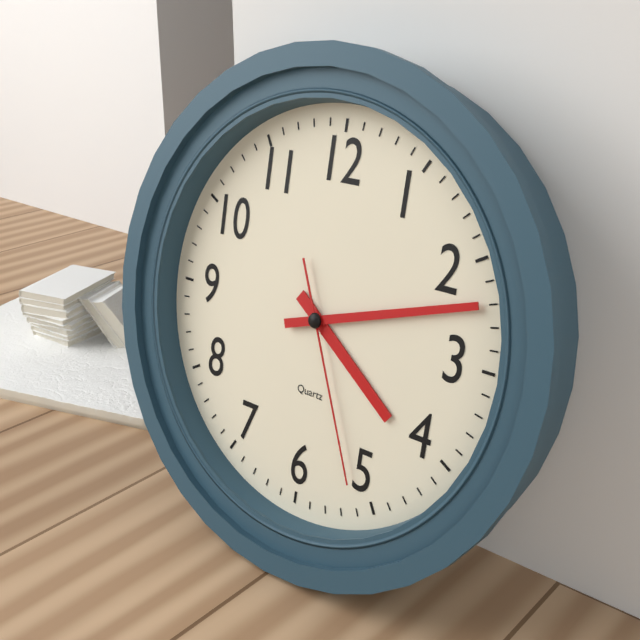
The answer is 4:12:26
